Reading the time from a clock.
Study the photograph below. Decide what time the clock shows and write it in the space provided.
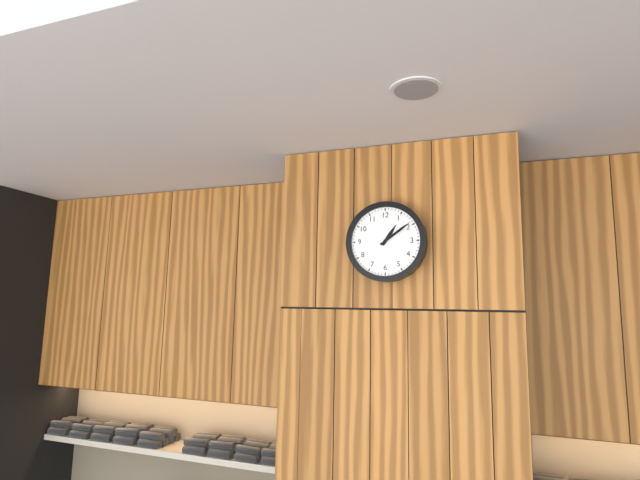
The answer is 1:09
